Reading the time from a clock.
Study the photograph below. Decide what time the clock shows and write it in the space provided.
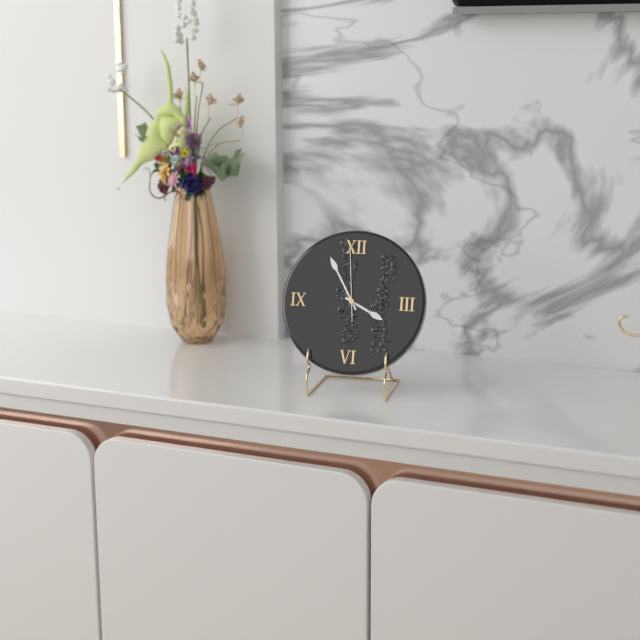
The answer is 3:55:59
